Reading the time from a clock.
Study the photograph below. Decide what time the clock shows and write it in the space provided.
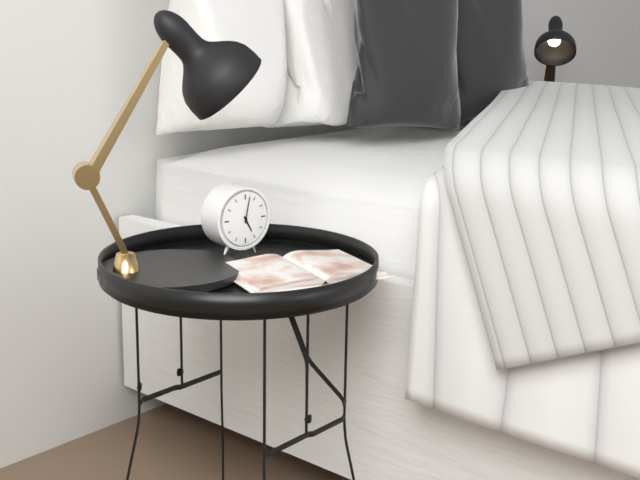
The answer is 5:02
